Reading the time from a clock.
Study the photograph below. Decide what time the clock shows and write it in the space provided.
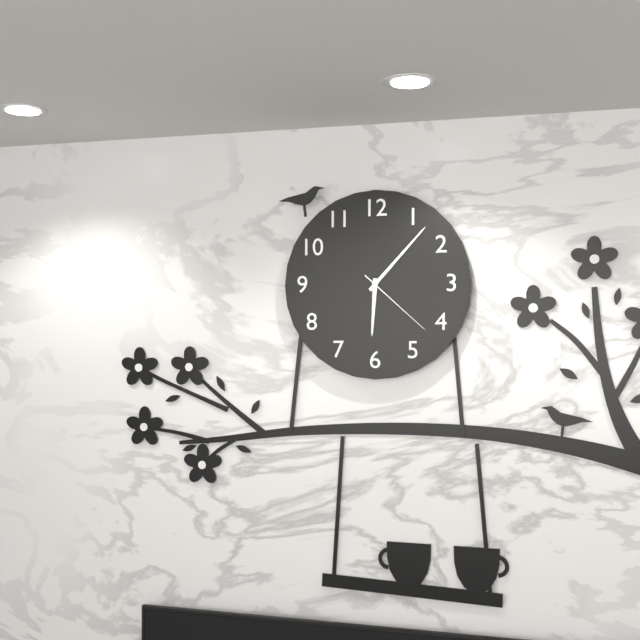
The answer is 6:07:22
